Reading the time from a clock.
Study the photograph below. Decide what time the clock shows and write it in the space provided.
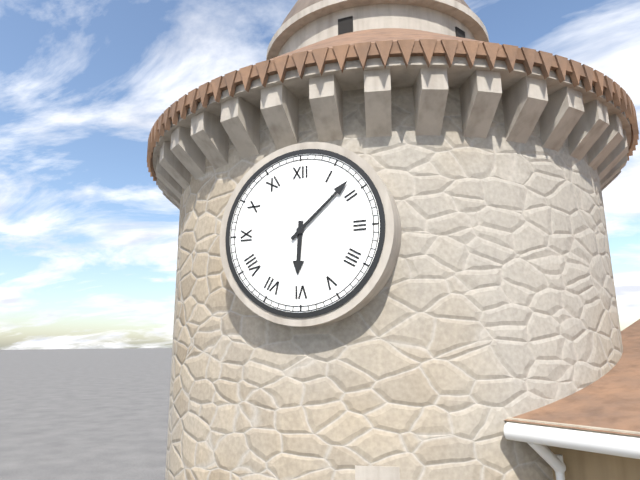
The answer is 6:08
